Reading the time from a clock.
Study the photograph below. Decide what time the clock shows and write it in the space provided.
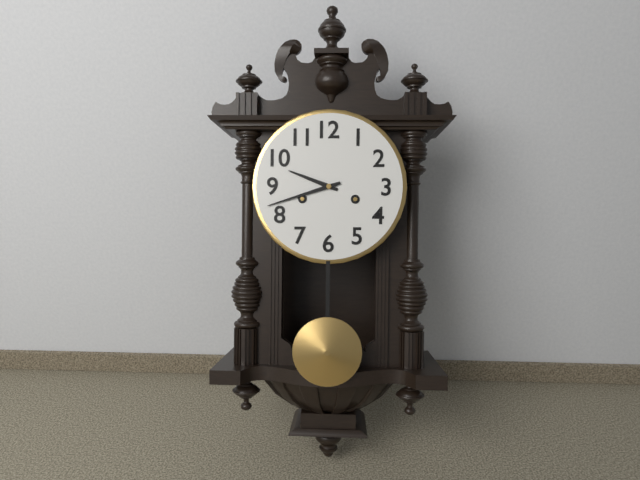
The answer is 9:42
